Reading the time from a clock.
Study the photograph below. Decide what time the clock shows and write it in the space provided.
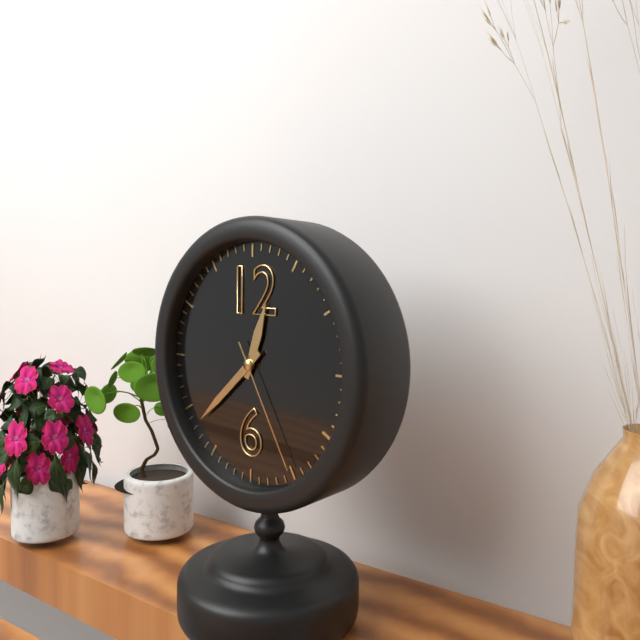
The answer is 12:38:25
